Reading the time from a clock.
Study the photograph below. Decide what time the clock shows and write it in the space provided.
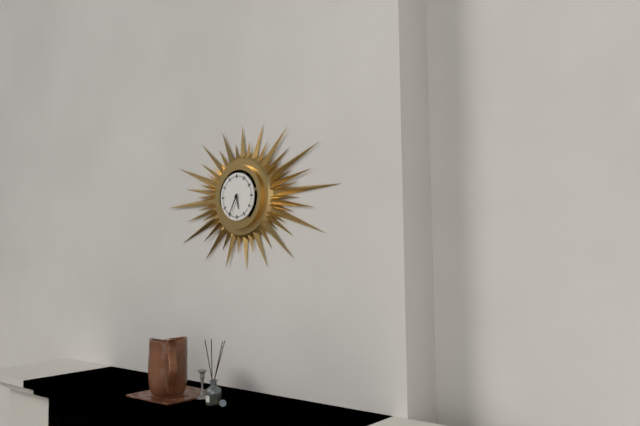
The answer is 5:35
